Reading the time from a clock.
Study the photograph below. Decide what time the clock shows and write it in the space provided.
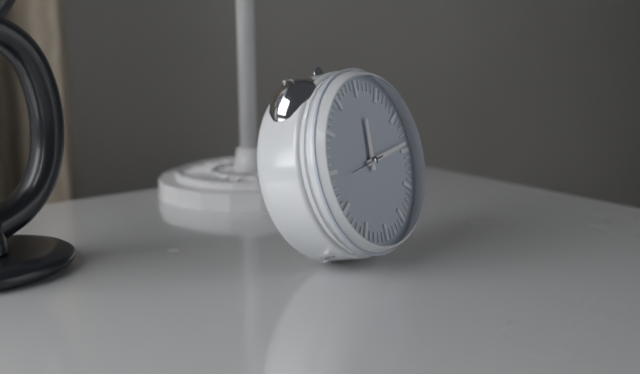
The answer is 12:14
